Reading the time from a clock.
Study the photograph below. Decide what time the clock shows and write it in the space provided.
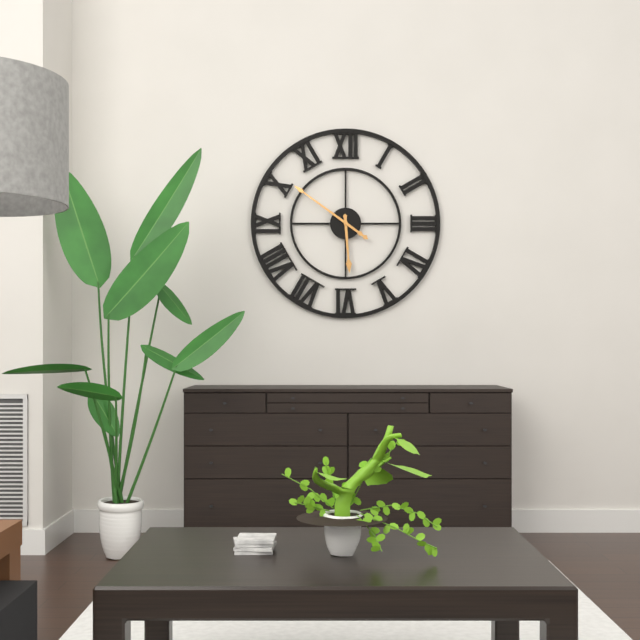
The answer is 5:51
